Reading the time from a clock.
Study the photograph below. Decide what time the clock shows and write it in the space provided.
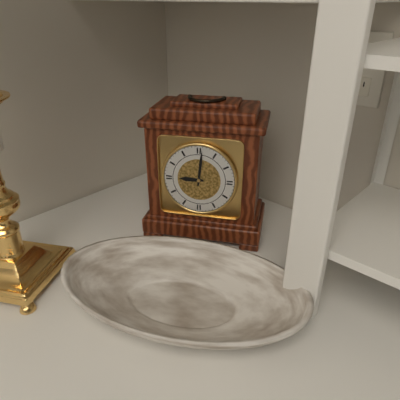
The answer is 9:01
